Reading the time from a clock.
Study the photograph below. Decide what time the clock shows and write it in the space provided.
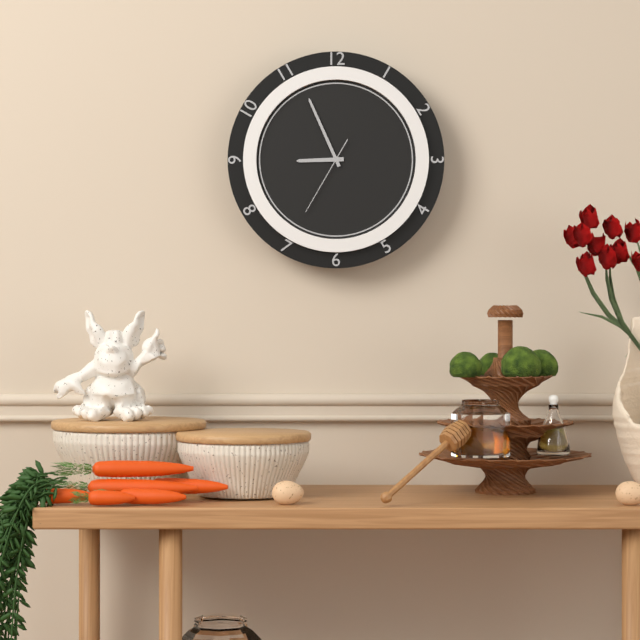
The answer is 8:56:35
